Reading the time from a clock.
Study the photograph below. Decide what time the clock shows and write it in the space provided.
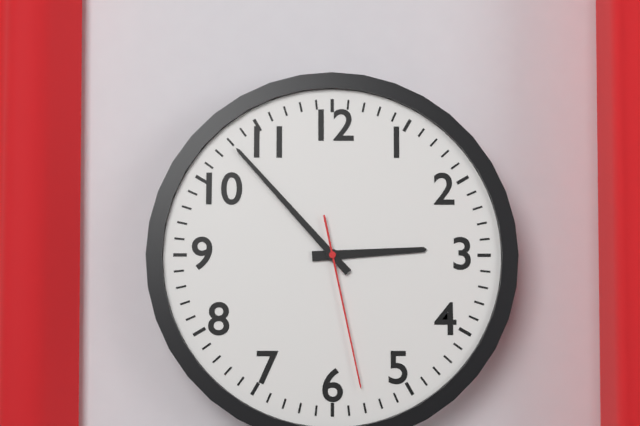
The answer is 2:53:28
